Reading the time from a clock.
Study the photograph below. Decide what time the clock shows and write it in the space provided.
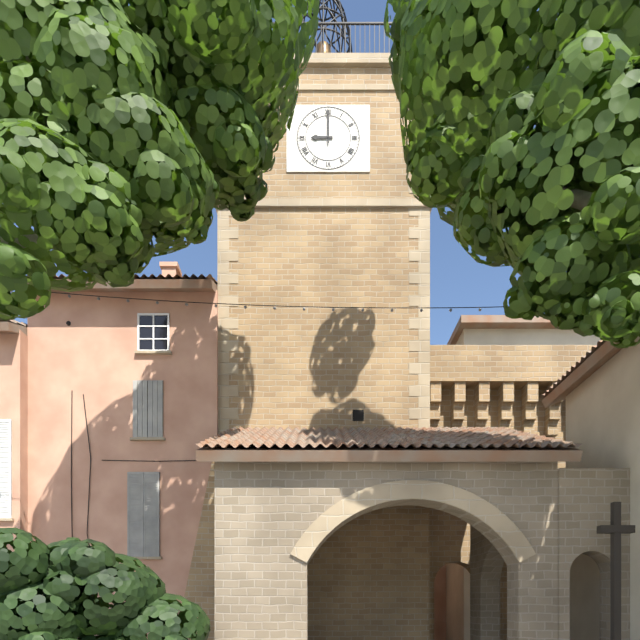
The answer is 9:00
